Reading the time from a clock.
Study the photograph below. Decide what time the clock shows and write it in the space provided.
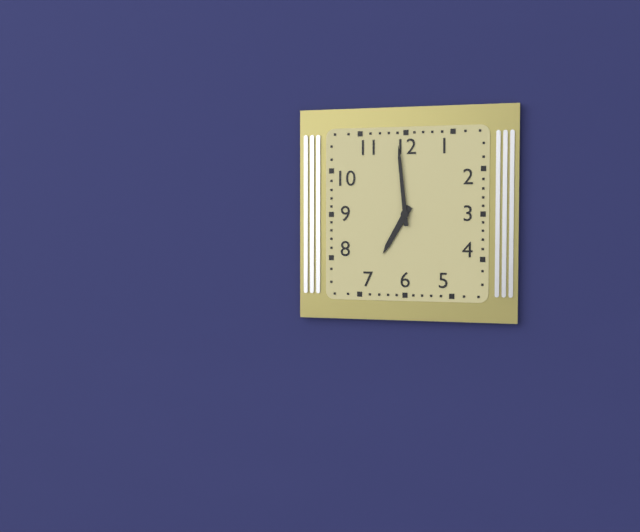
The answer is 6:59
